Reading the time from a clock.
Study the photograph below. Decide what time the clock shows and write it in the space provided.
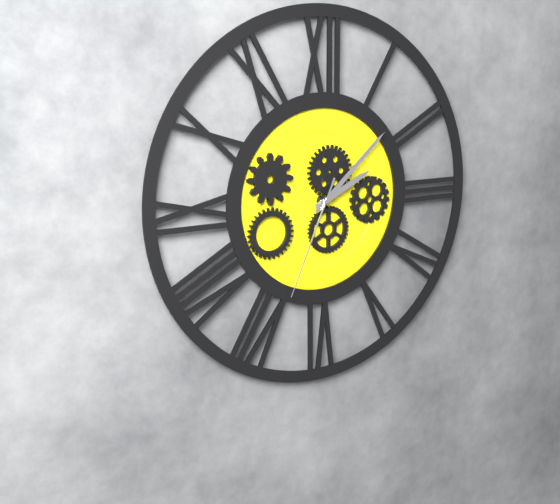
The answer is 2:08:34
